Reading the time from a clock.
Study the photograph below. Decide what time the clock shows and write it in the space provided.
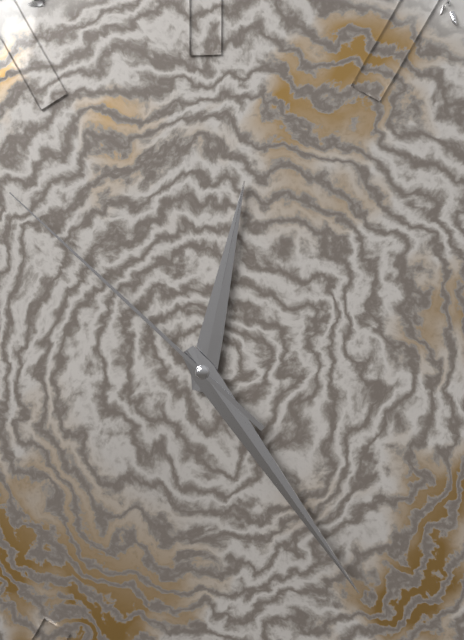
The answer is 12:24:52
